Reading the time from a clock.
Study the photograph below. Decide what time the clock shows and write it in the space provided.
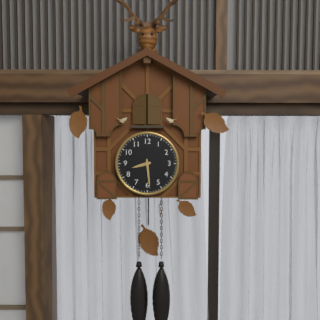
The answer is 8:29
